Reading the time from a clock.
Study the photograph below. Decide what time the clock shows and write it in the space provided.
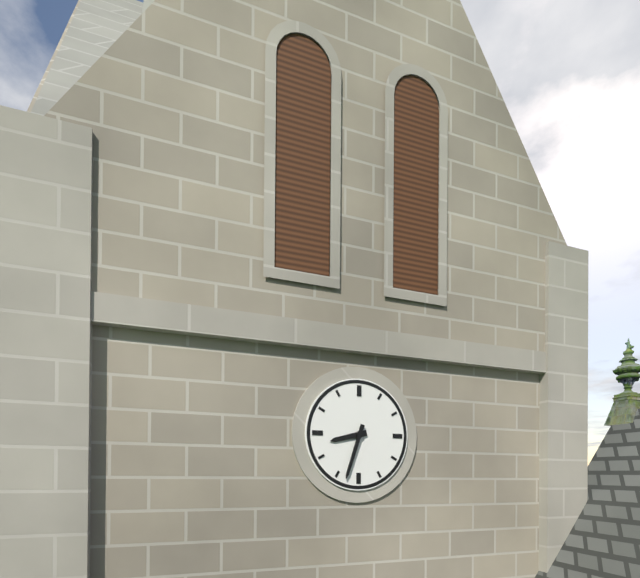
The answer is 8:33
